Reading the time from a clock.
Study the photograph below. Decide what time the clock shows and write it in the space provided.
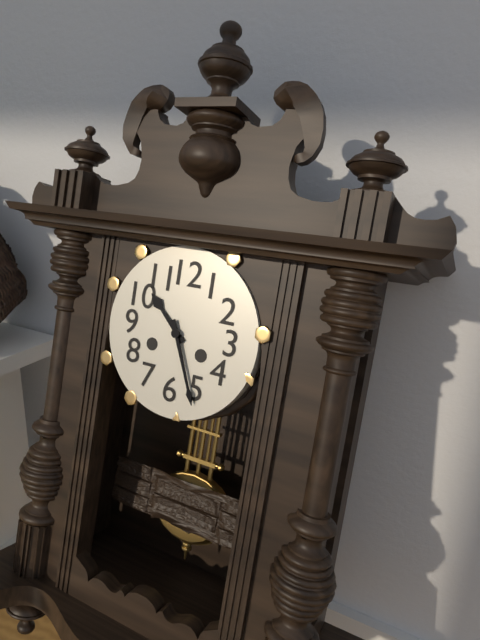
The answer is 10:26
